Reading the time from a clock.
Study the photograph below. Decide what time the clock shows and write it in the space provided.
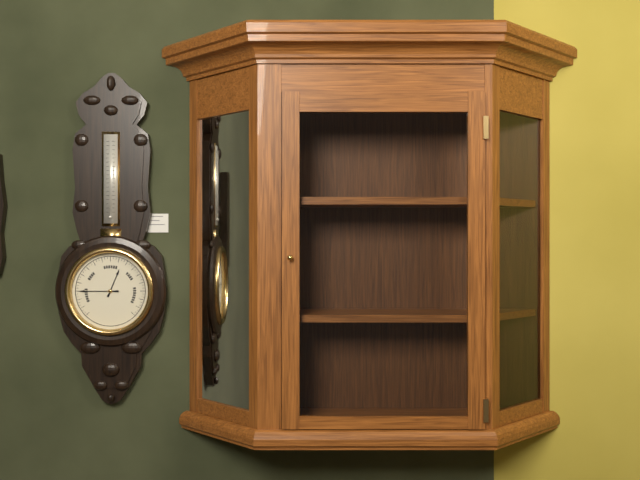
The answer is 12:45
